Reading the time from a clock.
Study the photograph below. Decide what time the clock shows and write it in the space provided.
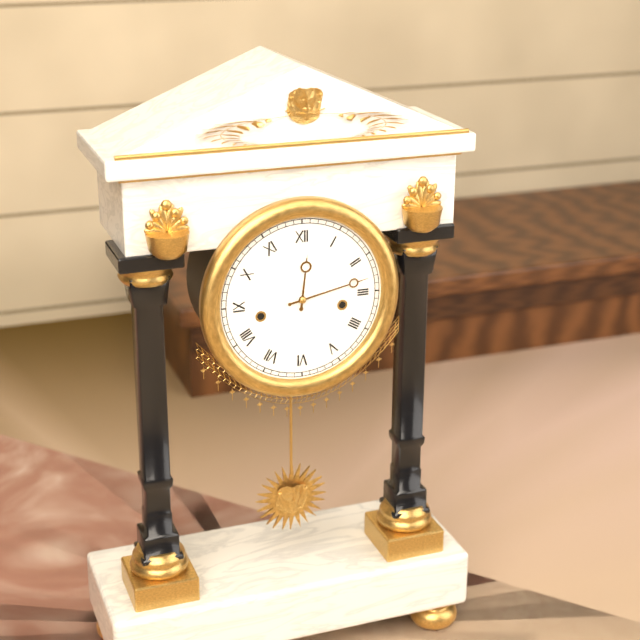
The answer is 12:13
